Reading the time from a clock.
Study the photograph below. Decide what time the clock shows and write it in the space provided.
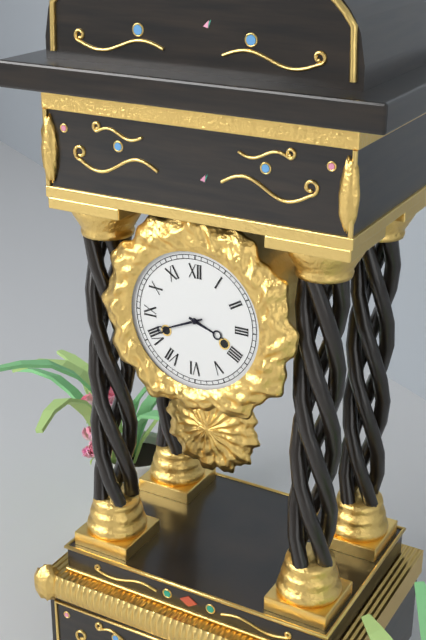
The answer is 3:41
